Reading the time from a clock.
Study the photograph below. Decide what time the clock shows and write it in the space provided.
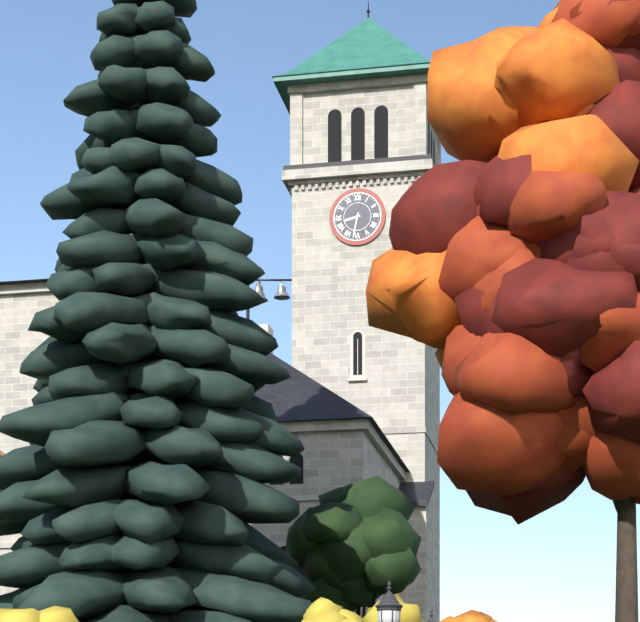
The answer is 8:32
